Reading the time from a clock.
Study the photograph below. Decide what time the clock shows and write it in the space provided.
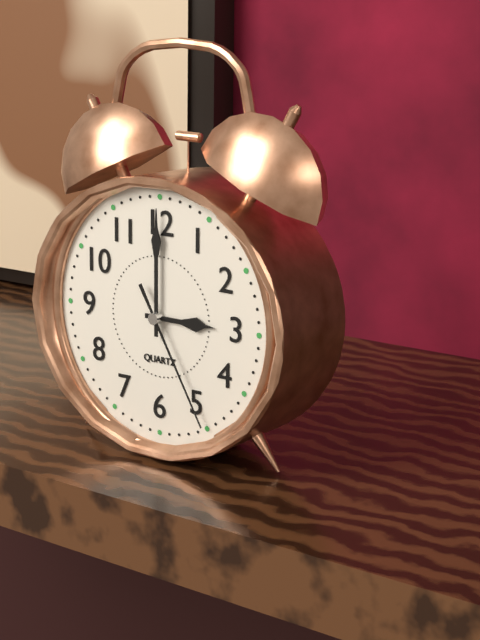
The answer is 3:00:25
